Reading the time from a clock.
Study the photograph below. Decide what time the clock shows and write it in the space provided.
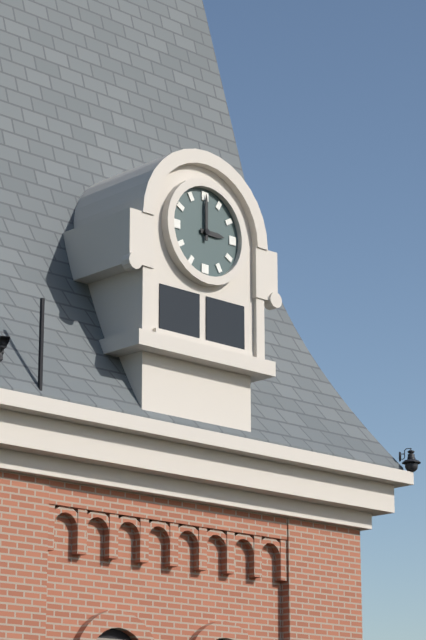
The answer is 3:00
